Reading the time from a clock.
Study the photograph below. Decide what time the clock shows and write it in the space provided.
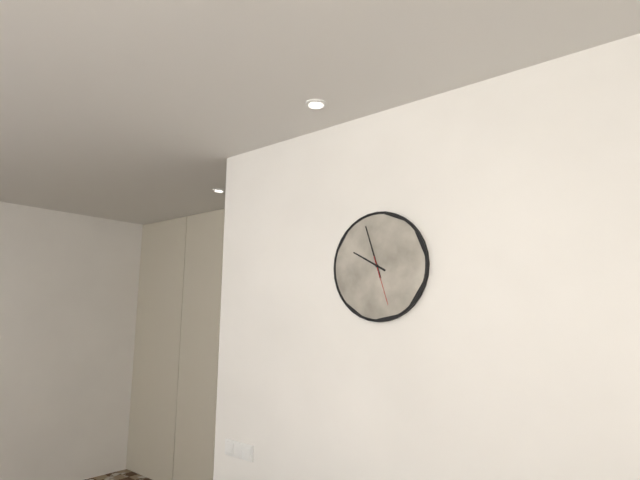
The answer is 9:57:27
